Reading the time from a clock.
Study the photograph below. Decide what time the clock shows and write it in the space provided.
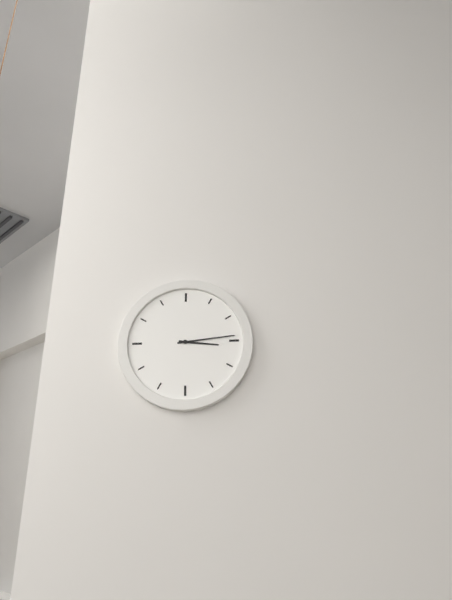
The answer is 3:14
